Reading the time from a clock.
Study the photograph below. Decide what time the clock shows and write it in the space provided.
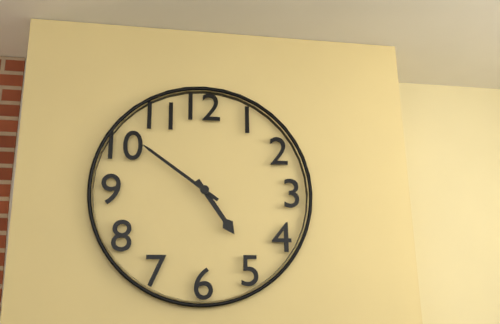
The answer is 4:51
